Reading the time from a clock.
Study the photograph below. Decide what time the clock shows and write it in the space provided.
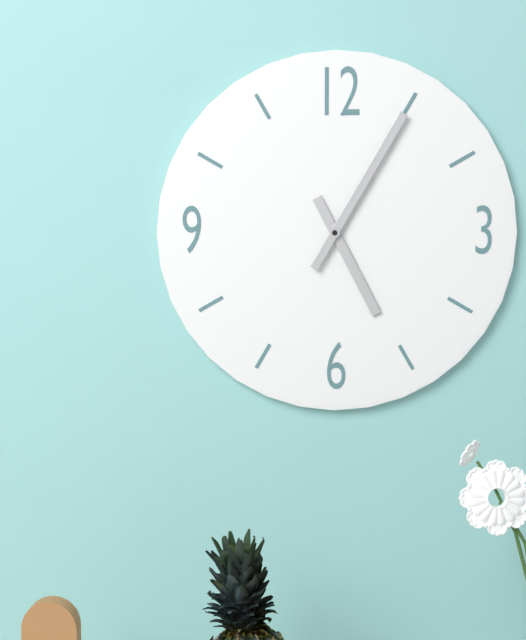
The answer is 5:05
